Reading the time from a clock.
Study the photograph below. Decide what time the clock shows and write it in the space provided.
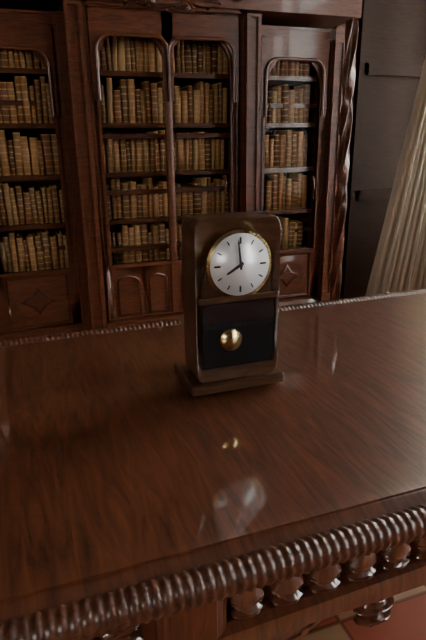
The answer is 7:59
